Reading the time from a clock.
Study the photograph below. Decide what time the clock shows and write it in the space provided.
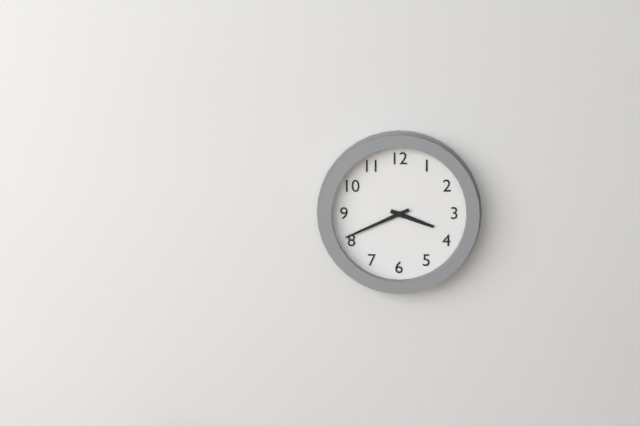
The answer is 3:41
